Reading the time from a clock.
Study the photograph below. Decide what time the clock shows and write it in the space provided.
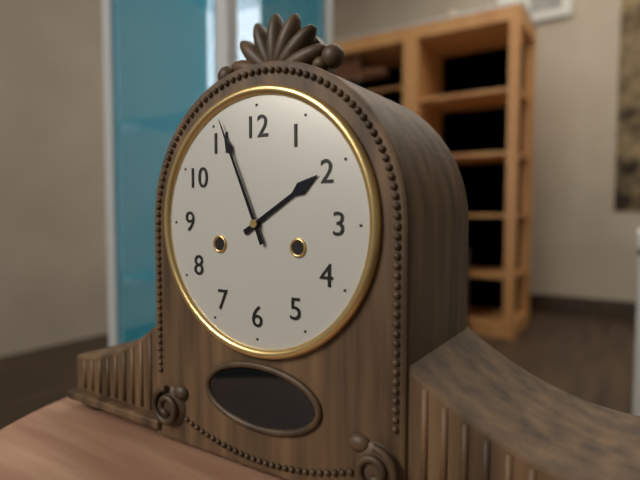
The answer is 1:56
